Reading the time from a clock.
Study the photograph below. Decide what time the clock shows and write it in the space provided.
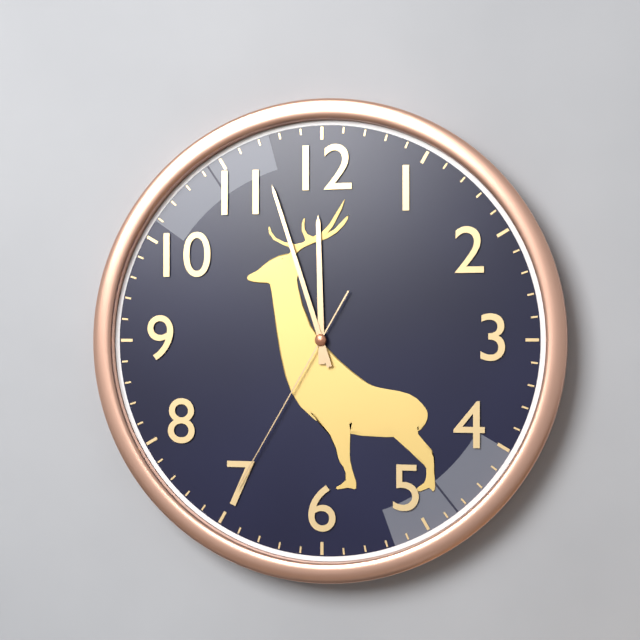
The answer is 11:57:35
